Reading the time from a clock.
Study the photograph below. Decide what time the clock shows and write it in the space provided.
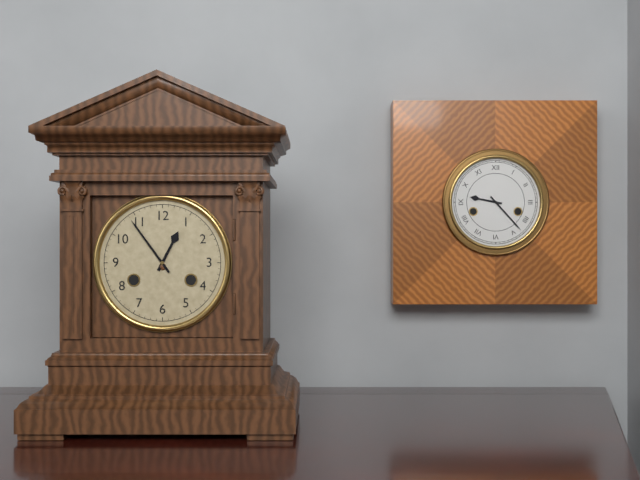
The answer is 12:54
